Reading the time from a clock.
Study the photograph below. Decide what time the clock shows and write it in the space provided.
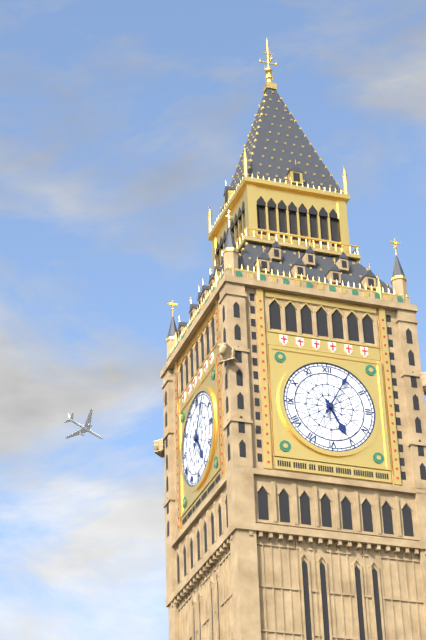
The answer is 5:05
